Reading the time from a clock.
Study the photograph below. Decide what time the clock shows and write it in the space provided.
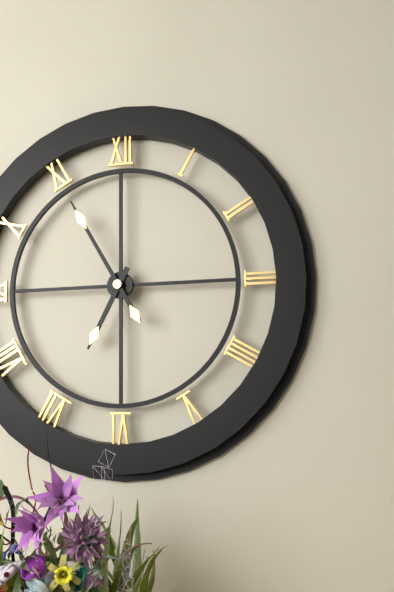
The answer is 6:55
